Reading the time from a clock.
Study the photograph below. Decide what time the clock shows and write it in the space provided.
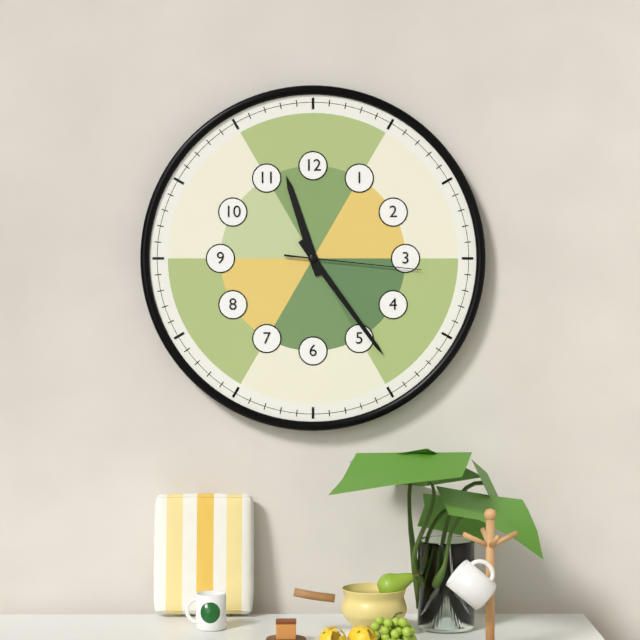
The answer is 11:24:16
